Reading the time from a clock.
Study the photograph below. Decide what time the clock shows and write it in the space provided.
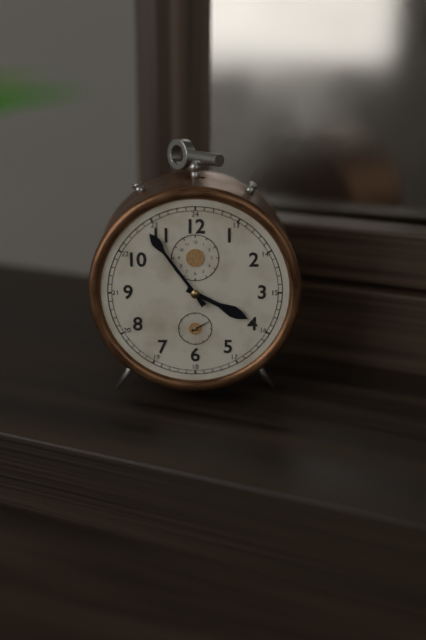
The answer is 3:54
